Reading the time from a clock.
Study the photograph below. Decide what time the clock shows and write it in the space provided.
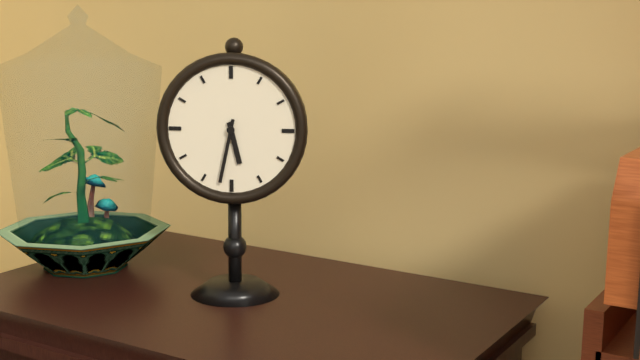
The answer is 5:32
